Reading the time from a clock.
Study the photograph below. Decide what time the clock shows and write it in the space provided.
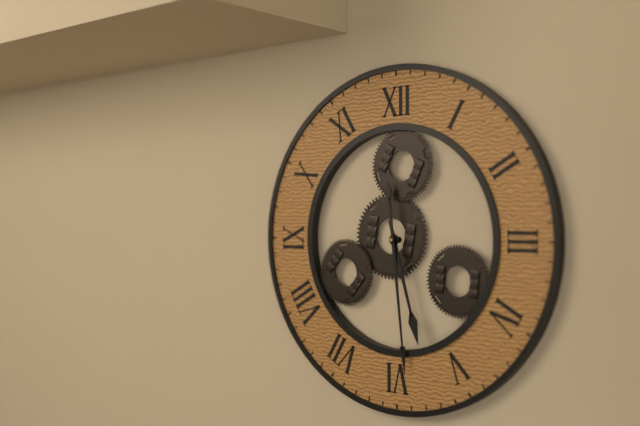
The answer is 5:29
